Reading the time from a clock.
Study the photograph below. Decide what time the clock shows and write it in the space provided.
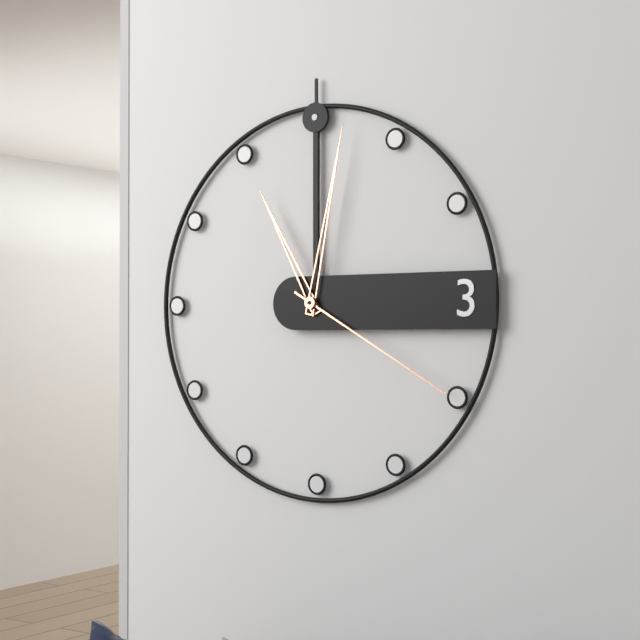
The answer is 11:02:20
